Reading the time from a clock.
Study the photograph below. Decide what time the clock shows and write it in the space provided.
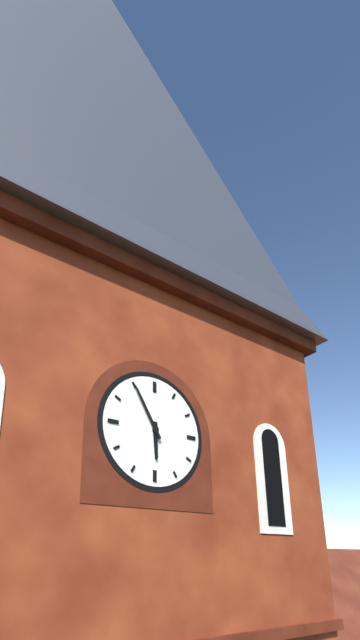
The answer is 5:55
